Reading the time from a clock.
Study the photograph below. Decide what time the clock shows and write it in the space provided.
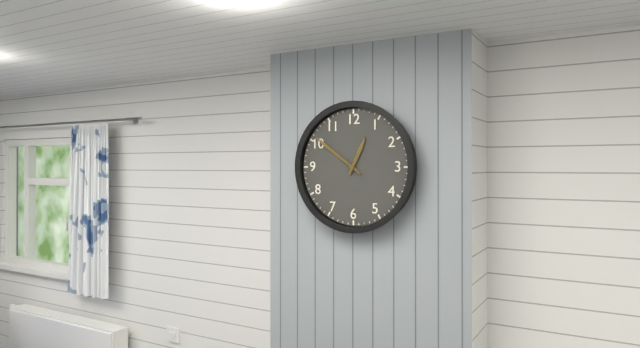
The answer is 12:51
